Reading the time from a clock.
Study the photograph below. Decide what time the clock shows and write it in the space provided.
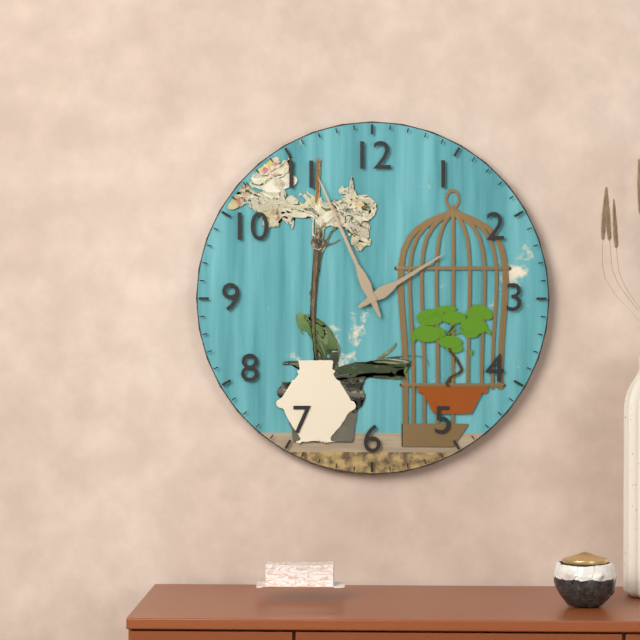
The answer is 1:56
